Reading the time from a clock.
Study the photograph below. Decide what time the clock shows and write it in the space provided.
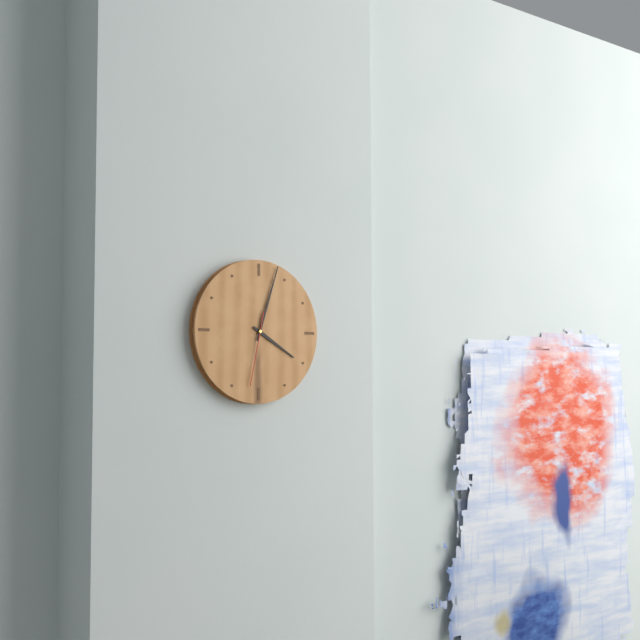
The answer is 4:03:32
